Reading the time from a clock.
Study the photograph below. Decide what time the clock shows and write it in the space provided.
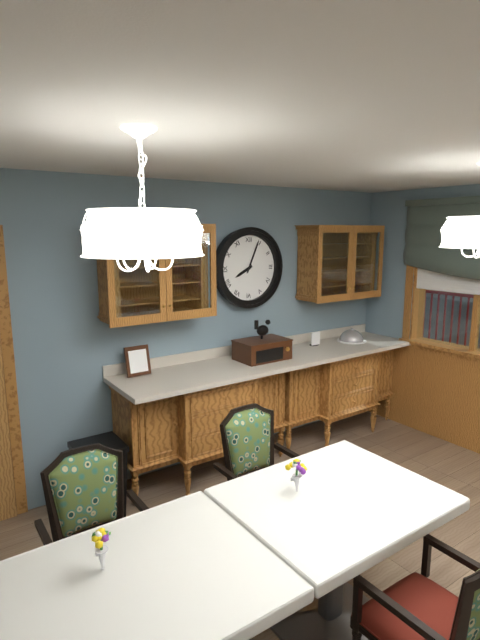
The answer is 8:04
